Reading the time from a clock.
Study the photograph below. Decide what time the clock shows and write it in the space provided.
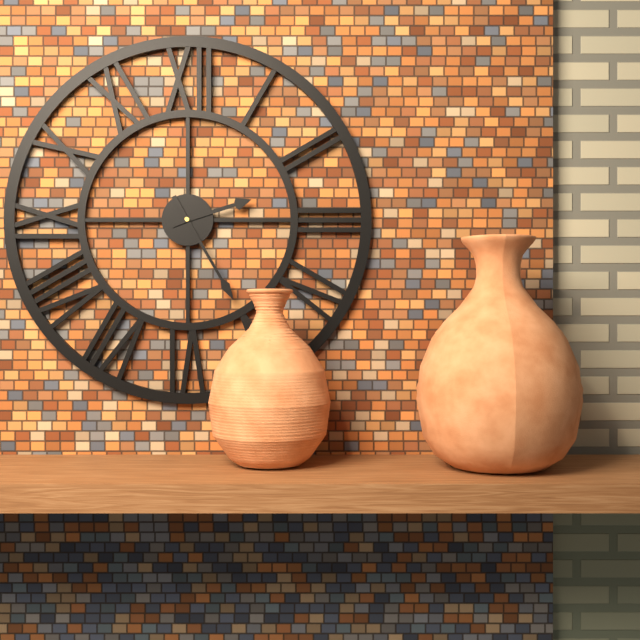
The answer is 2:25
